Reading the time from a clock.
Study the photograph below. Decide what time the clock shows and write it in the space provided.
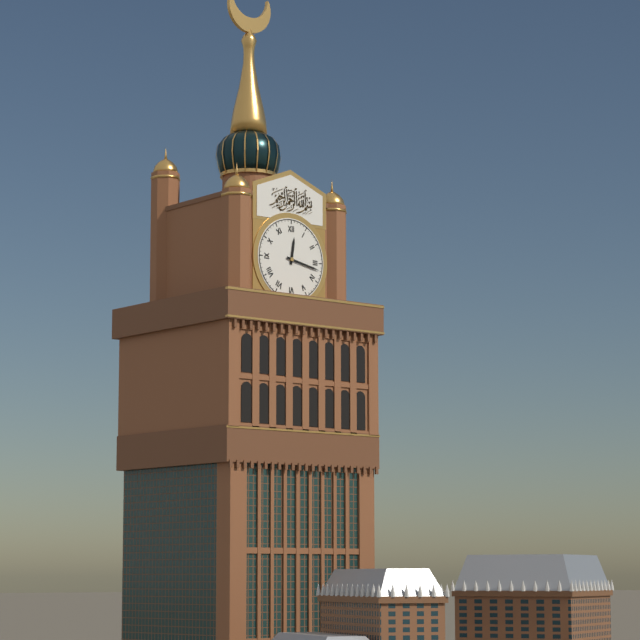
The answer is 12:17
